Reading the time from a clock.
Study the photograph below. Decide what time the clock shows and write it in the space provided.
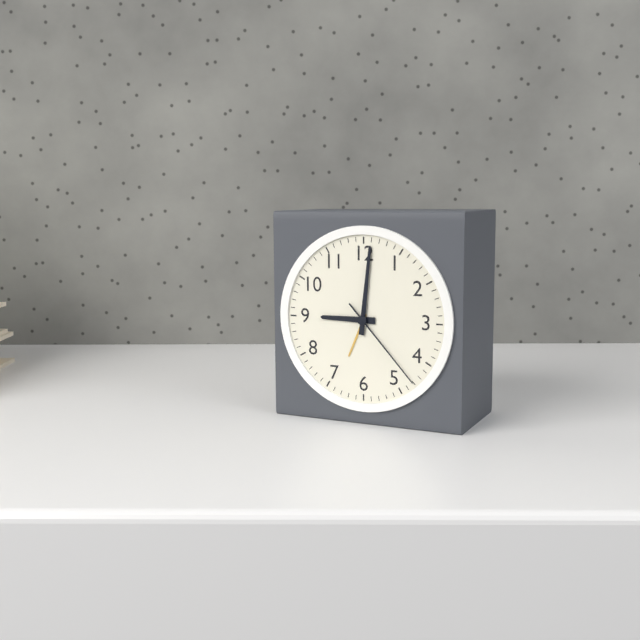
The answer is 9:01:23
